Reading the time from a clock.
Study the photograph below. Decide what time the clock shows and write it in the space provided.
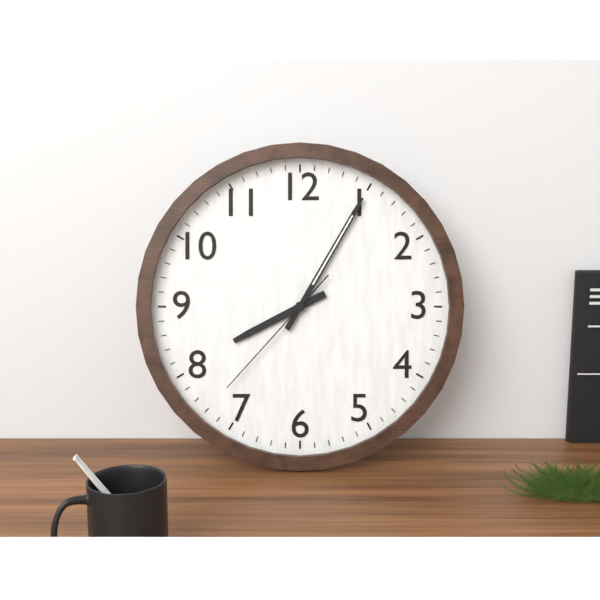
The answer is 8:05:37
